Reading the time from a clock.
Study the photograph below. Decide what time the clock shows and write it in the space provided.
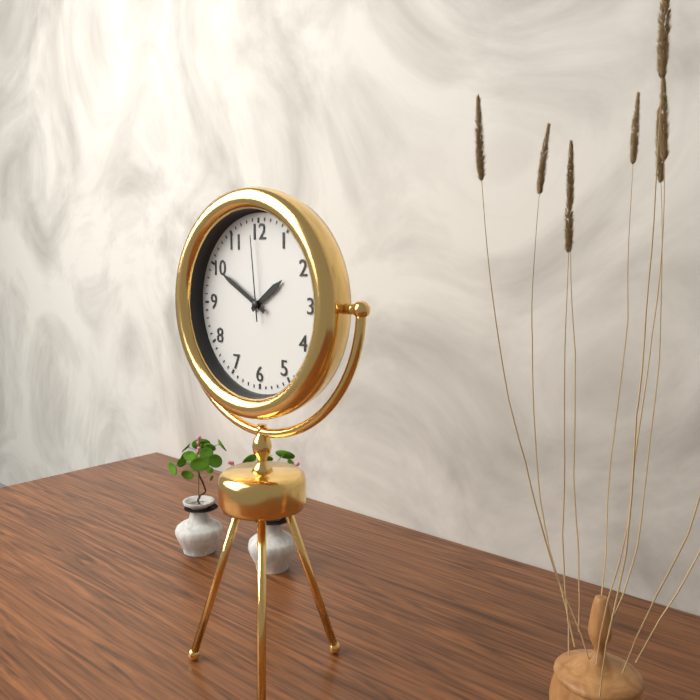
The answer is 1:50:59
